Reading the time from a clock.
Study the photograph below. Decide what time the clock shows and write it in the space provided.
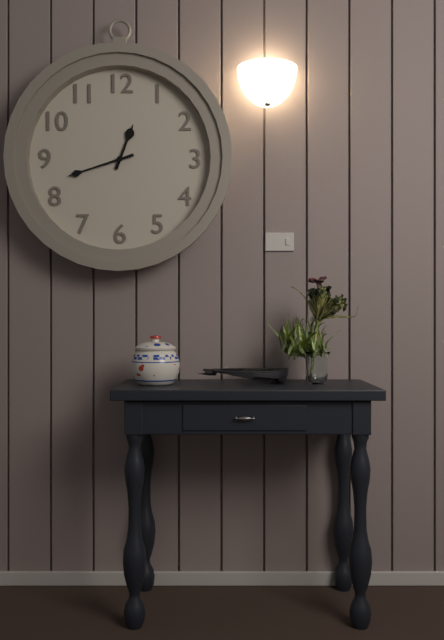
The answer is 12:42
